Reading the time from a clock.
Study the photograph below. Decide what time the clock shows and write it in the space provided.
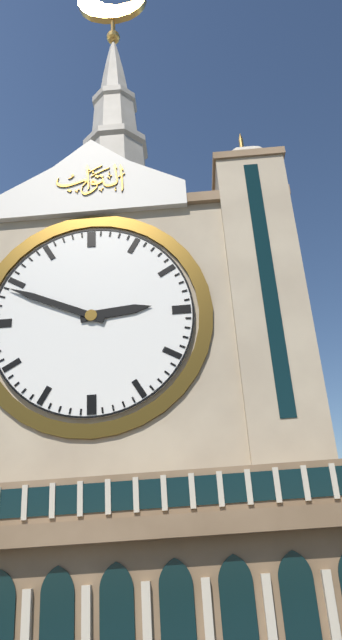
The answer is 2:49
